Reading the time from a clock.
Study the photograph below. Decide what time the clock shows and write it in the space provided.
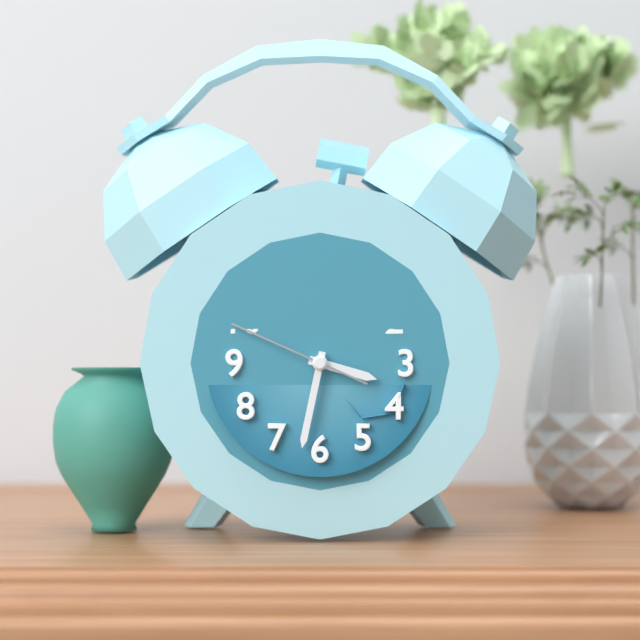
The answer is 3:32:49
